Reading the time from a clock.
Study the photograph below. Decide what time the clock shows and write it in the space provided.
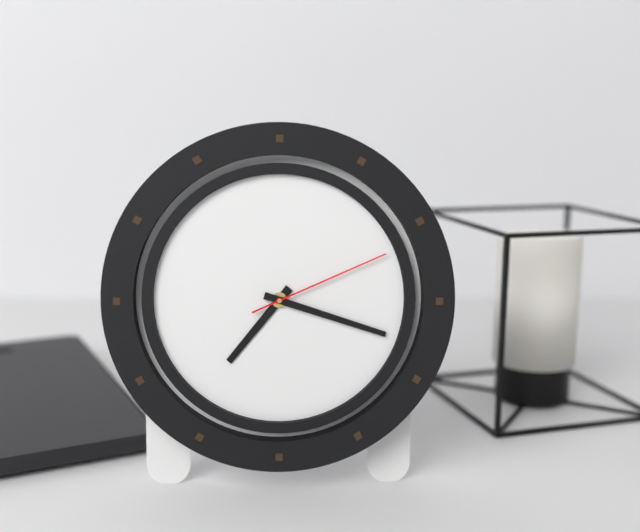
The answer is 7:18:11
